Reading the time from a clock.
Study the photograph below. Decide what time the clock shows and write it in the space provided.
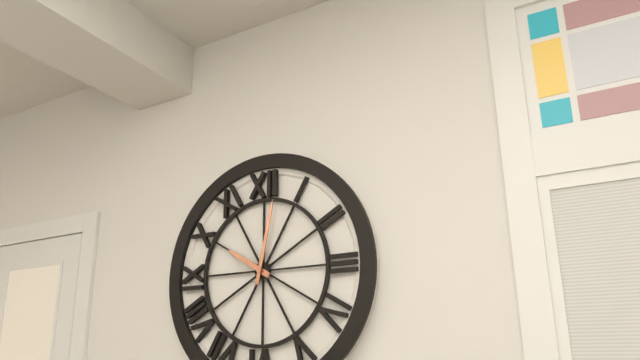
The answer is 10:02
